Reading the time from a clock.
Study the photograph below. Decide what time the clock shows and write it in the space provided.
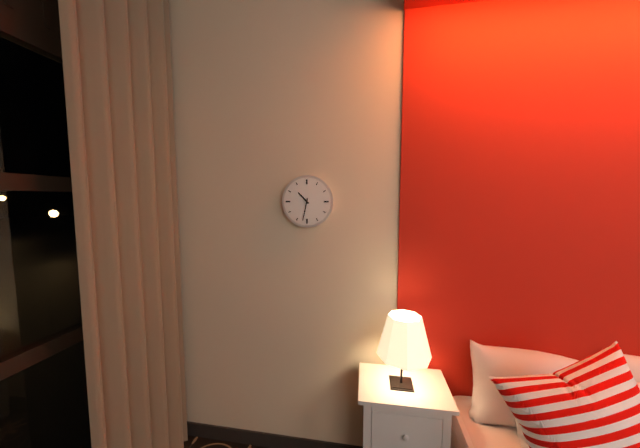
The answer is 10:32
